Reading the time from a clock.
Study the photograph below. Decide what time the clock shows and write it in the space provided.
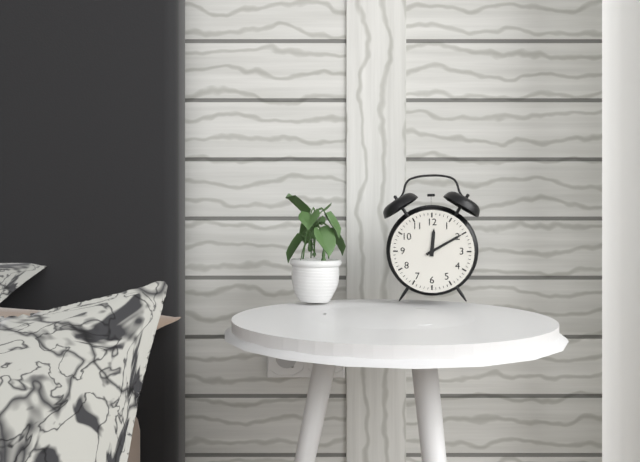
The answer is 12:10
